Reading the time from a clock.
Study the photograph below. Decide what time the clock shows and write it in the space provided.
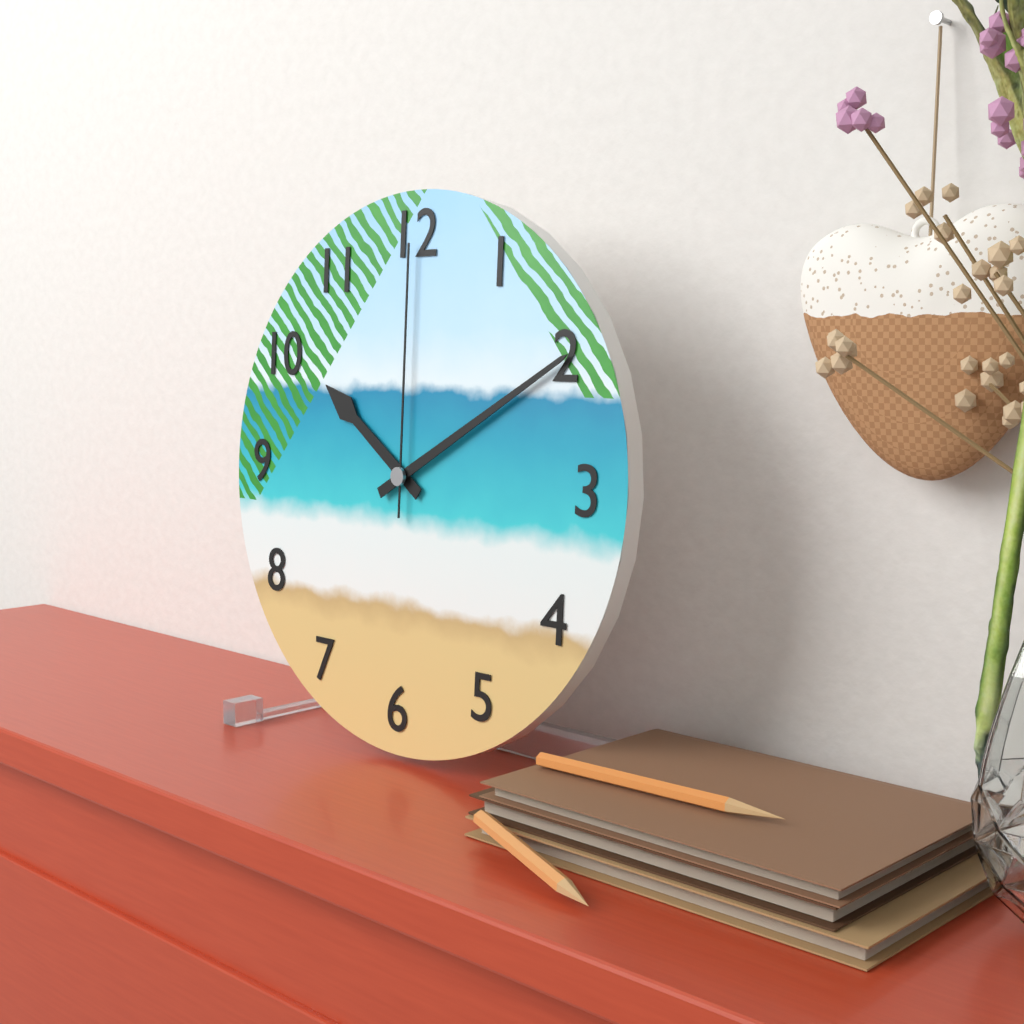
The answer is 10:10:00
